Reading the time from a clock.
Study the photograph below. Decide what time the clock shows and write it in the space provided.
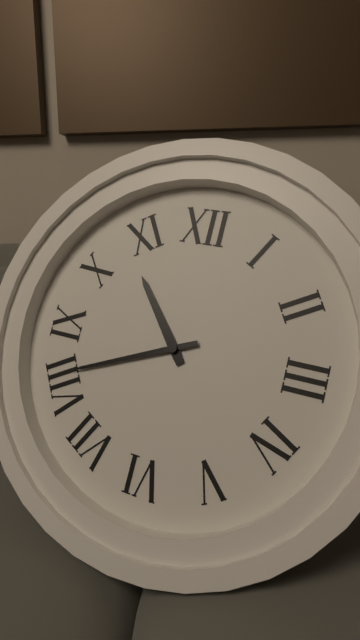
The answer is 10:41
